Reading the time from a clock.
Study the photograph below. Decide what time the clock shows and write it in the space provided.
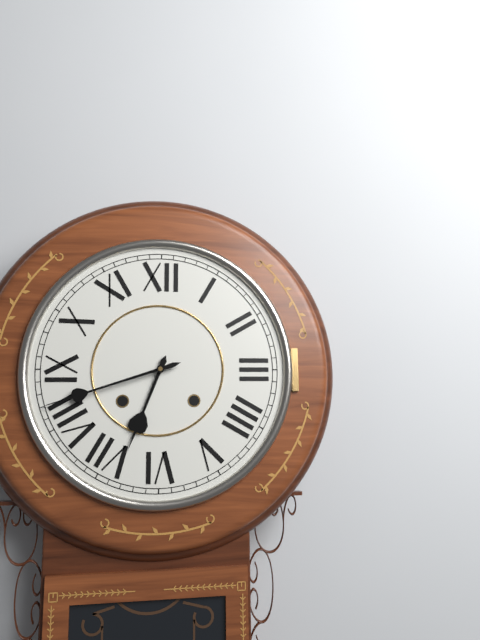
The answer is 6:42
